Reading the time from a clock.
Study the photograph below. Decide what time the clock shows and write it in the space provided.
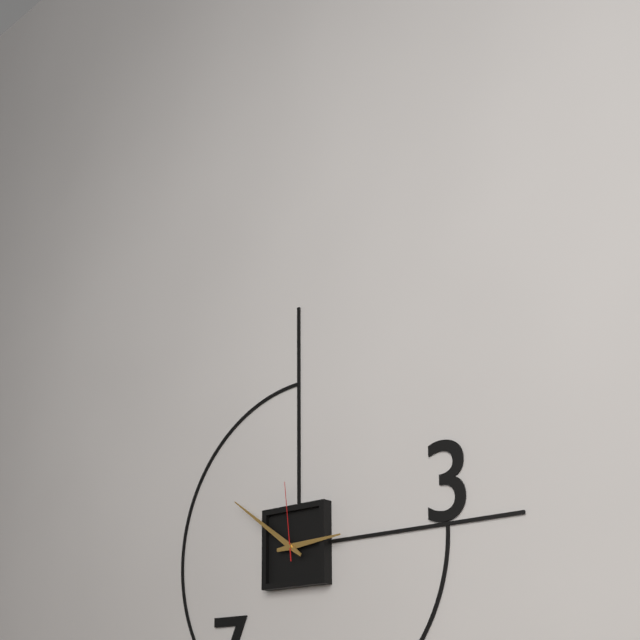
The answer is 2:51:59
